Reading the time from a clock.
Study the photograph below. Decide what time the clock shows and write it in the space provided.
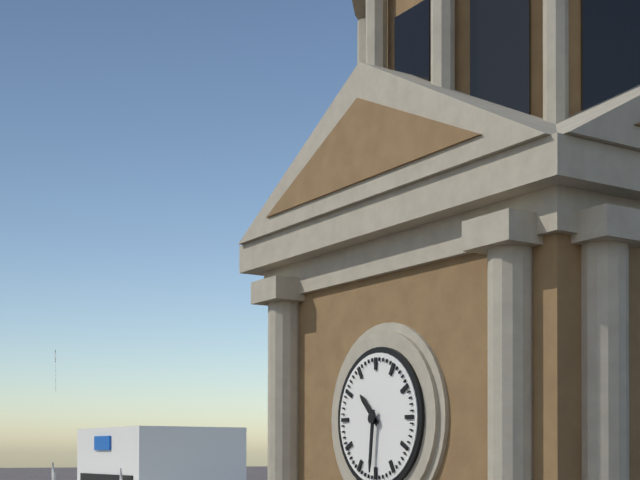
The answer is 10:31
